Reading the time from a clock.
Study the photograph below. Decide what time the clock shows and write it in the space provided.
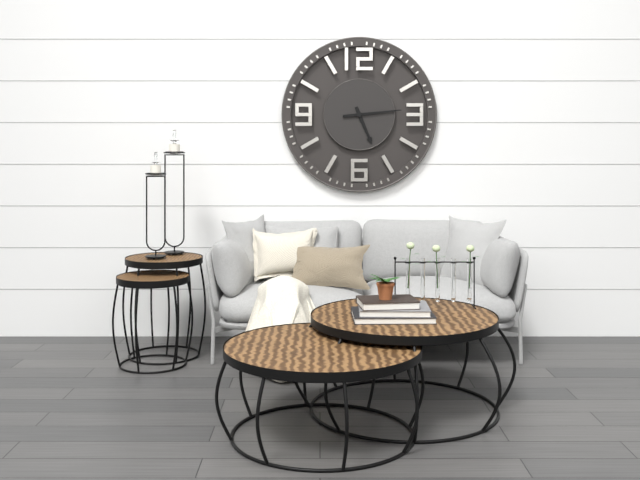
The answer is 5:14
